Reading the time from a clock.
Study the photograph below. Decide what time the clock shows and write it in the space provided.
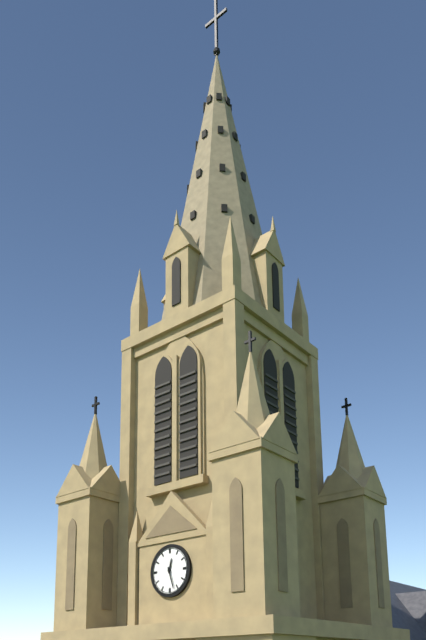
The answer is 12:27
